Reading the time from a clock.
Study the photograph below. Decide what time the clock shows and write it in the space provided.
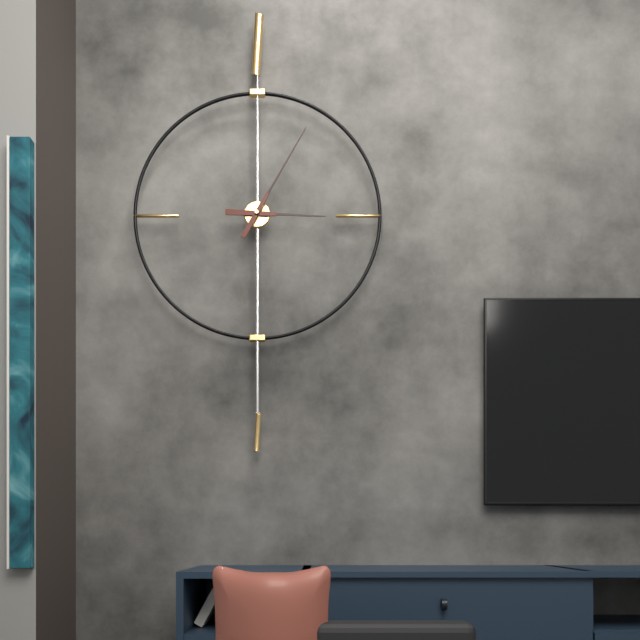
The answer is 3:05
